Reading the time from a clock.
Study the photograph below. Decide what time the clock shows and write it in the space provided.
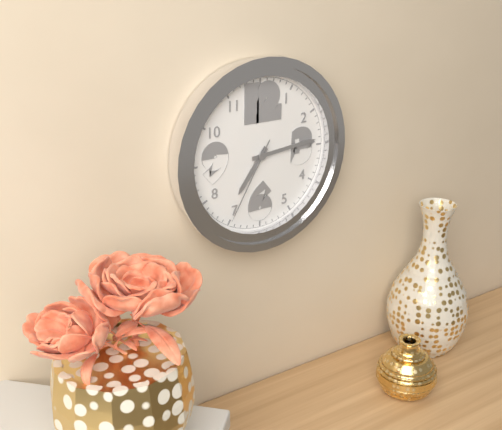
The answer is 7:14:35
